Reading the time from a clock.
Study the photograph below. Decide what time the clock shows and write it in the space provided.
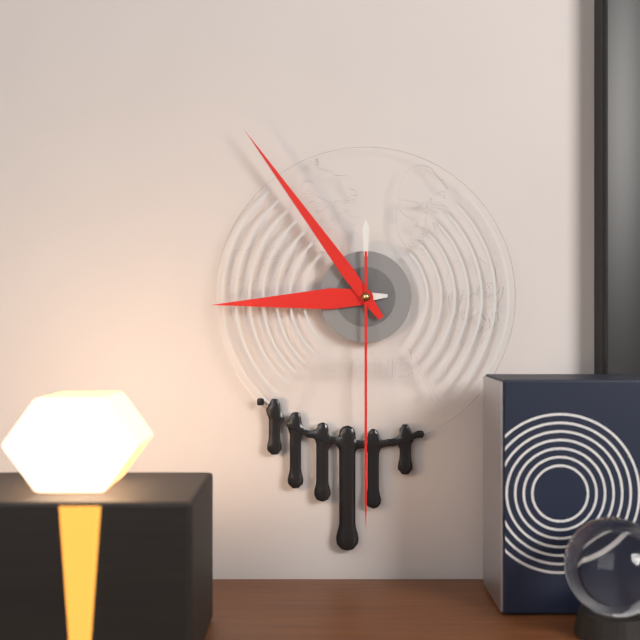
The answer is 8:54:30
